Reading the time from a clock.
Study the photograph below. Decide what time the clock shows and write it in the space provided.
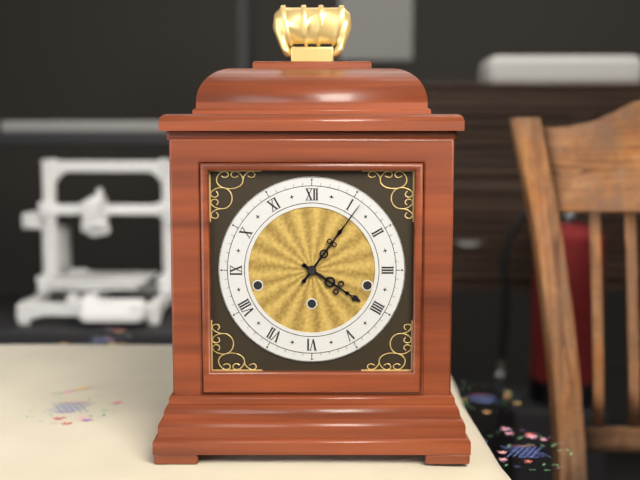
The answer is 4:06
